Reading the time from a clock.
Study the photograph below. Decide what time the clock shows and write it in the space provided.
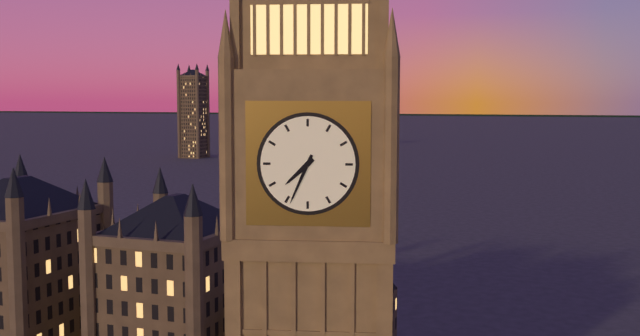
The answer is 7:34
